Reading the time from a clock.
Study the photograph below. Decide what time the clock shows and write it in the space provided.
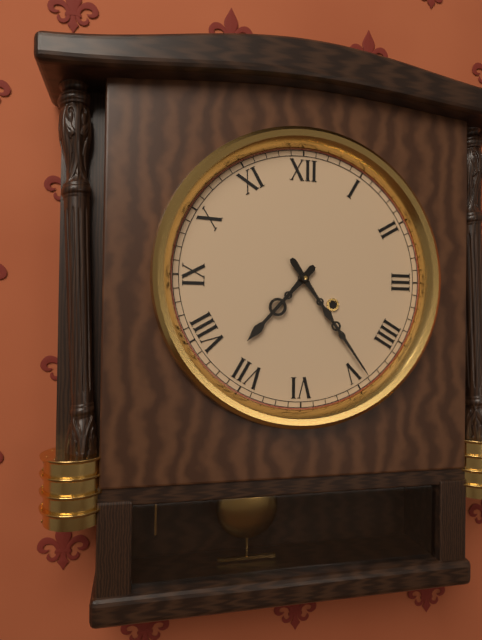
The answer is 7:24
